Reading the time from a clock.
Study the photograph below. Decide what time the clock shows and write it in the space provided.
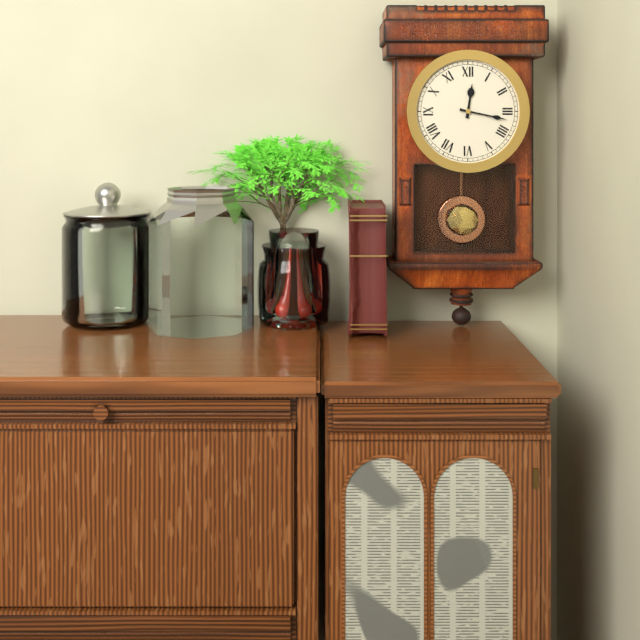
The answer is 12:17
